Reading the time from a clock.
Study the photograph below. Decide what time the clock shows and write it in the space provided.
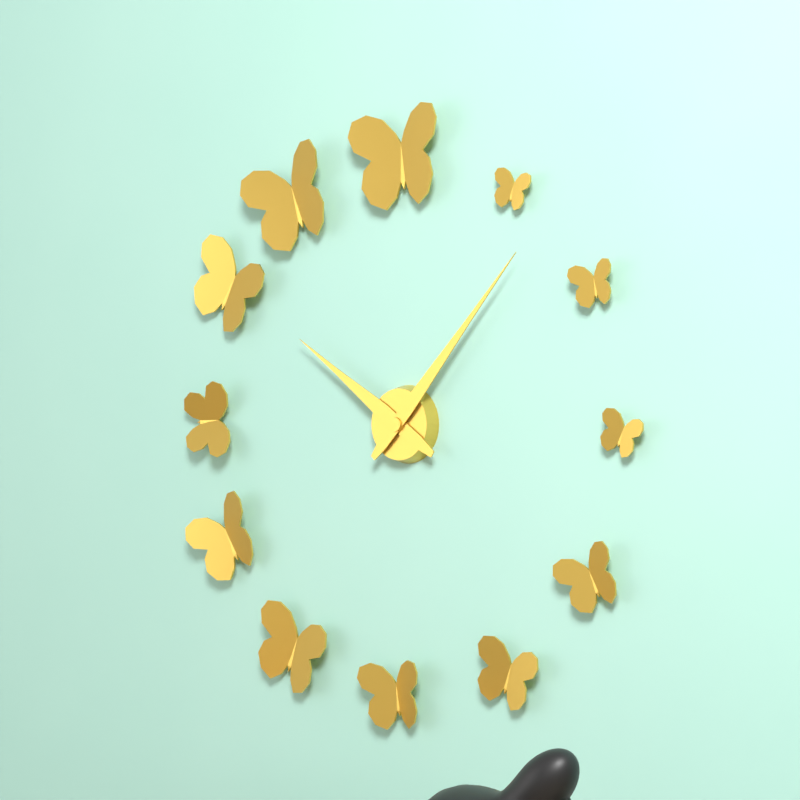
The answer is 10:07
